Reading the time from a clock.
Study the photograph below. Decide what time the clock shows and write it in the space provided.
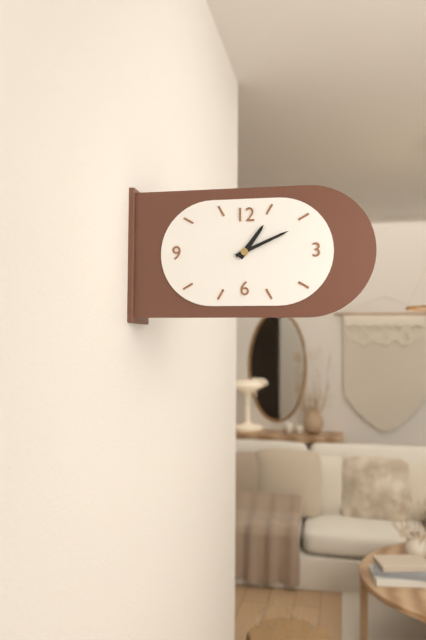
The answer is 1:11
